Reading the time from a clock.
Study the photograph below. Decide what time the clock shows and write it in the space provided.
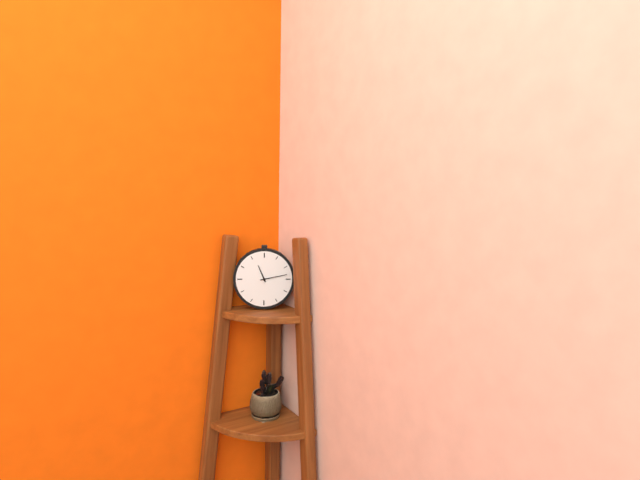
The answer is 11:13
